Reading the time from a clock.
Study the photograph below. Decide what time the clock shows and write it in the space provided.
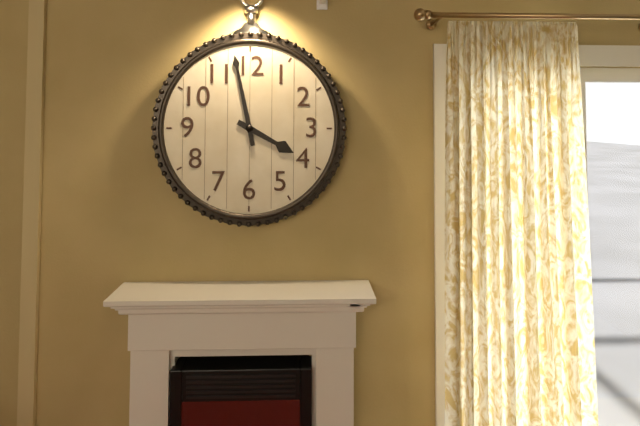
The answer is 3:58
